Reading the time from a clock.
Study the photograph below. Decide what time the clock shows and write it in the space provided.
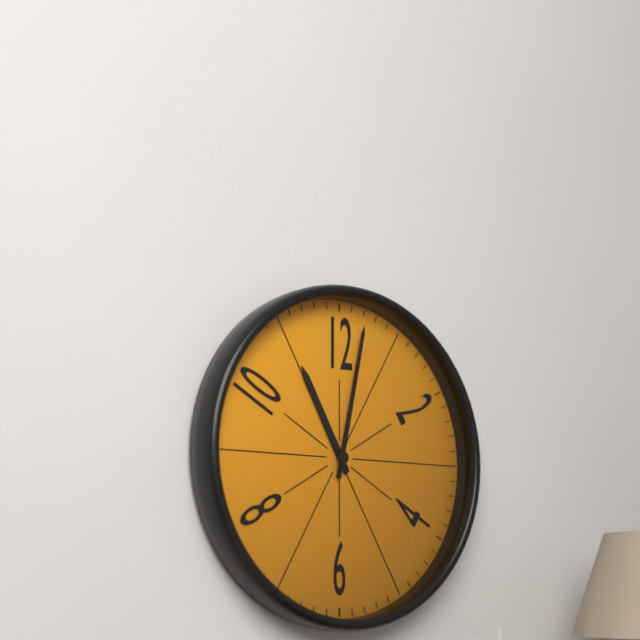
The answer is 11:02
